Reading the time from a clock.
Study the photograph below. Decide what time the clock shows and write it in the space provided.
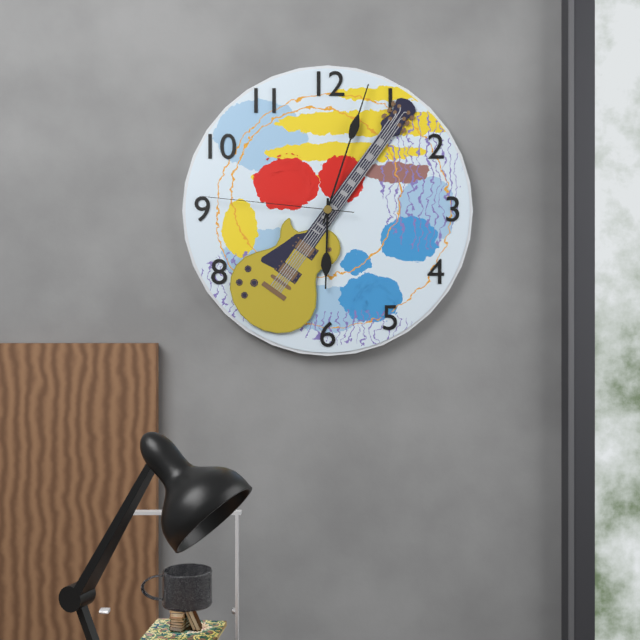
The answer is 6:03:46
